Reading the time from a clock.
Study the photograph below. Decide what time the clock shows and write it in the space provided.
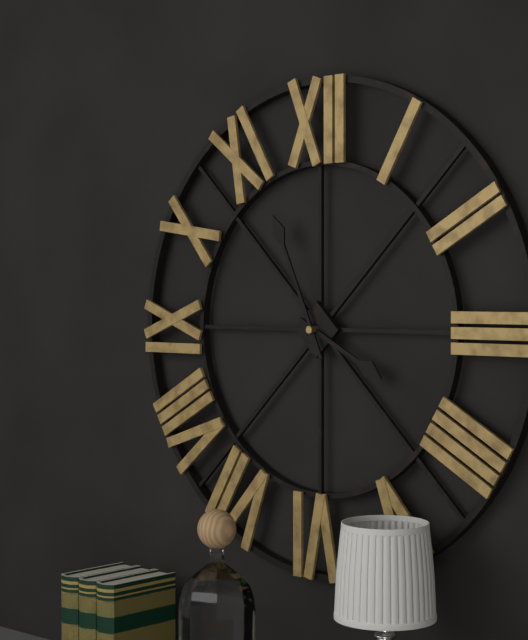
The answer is 3:56
